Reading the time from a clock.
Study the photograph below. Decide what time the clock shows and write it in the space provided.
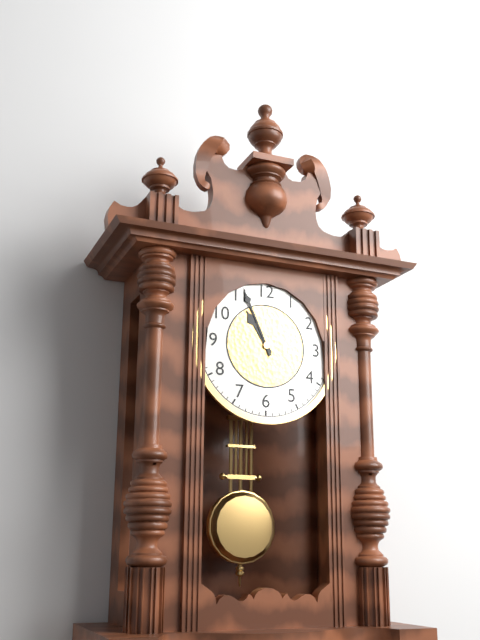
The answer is 10:56
